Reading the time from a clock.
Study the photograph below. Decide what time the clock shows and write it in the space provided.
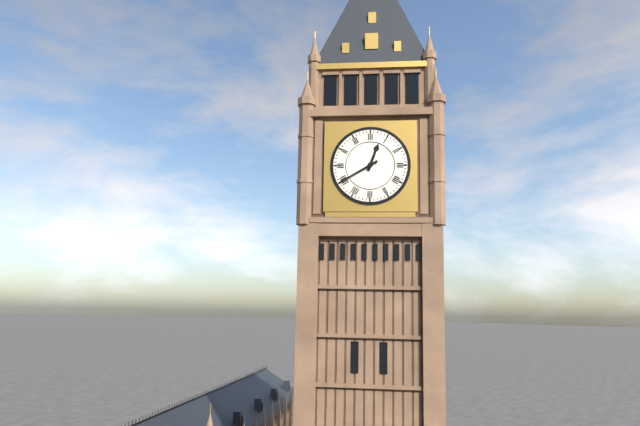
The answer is 12:40
